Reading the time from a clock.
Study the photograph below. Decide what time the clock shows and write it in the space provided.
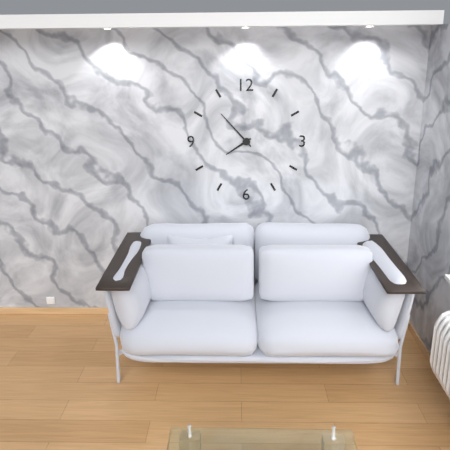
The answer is 7:53
